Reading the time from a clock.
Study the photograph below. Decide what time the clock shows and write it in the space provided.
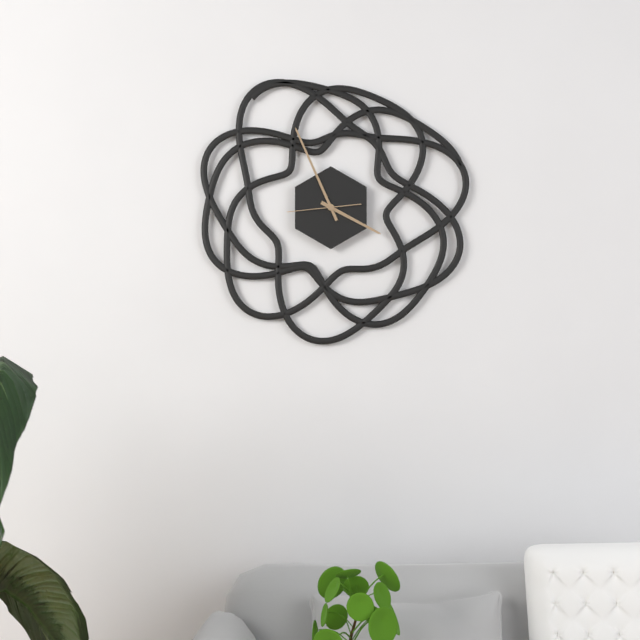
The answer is 3:56:44
